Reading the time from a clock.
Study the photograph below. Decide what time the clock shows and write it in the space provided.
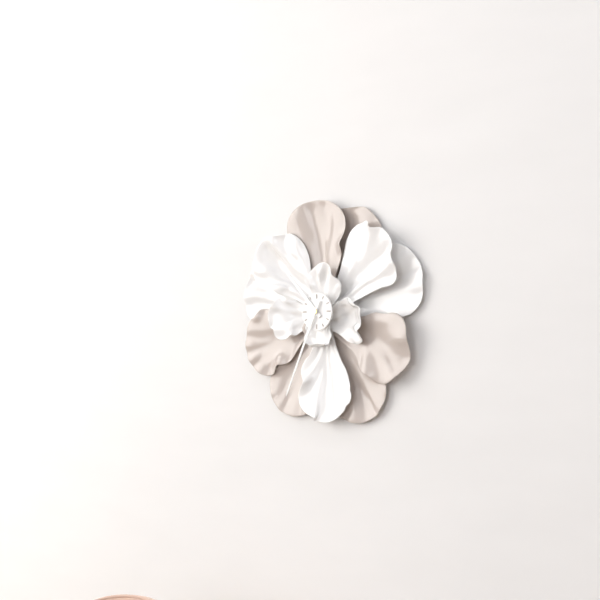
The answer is 10:34
